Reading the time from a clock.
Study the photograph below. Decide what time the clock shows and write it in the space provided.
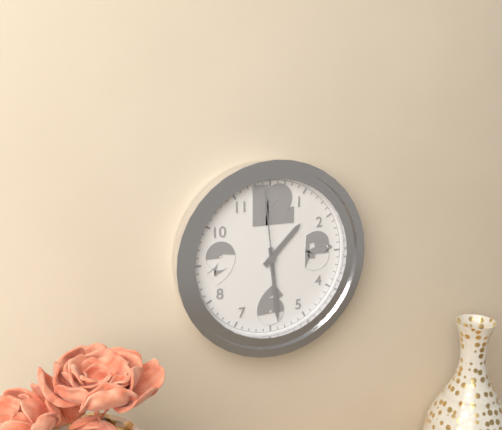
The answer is 1:29:59
